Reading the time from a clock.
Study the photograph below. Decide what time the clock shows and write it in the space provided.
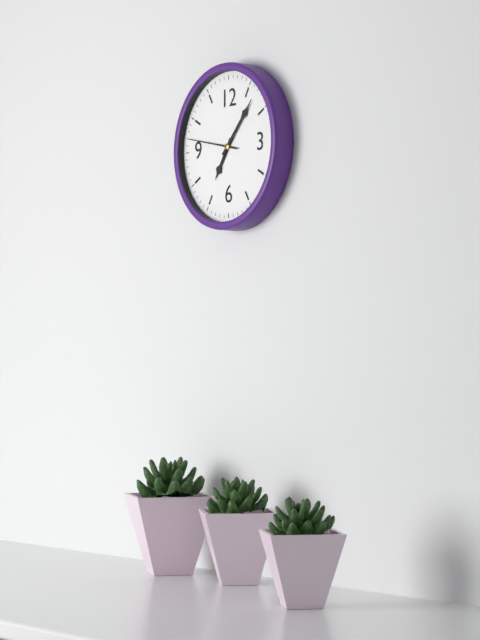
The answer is 7:07:47
